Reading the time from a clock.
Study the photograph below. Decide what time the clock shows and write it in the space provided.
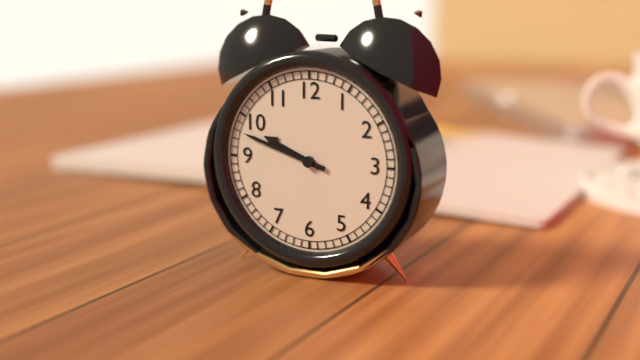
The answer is 9:48
